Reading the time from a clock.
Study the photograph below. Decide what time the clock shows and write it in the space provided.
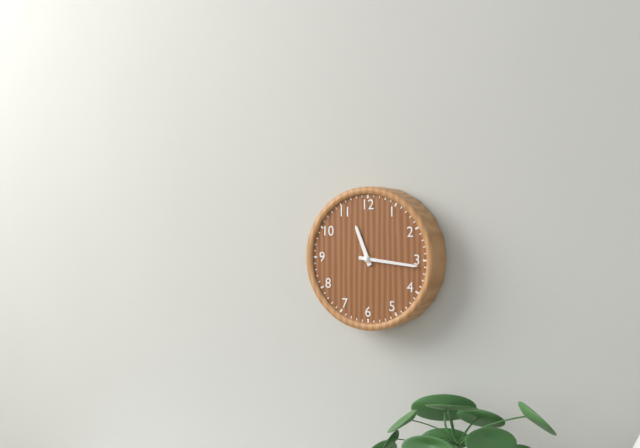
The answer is 11:16
